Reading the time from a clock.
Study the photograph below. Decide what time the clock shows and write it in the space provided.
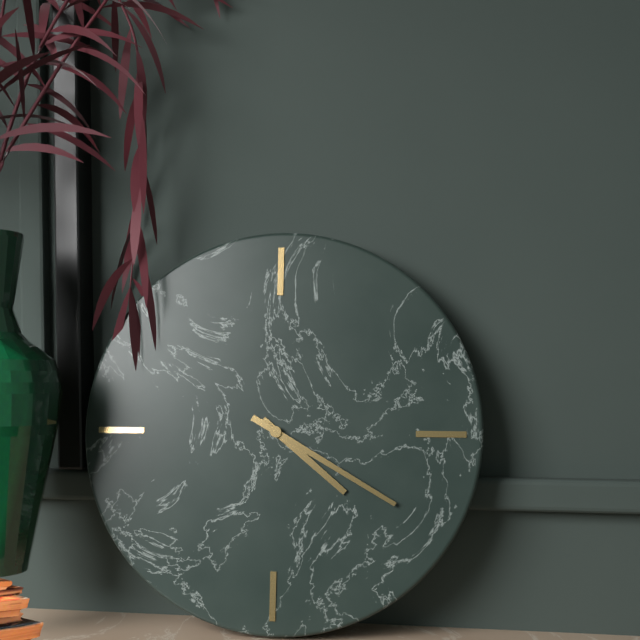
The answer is 4:20
